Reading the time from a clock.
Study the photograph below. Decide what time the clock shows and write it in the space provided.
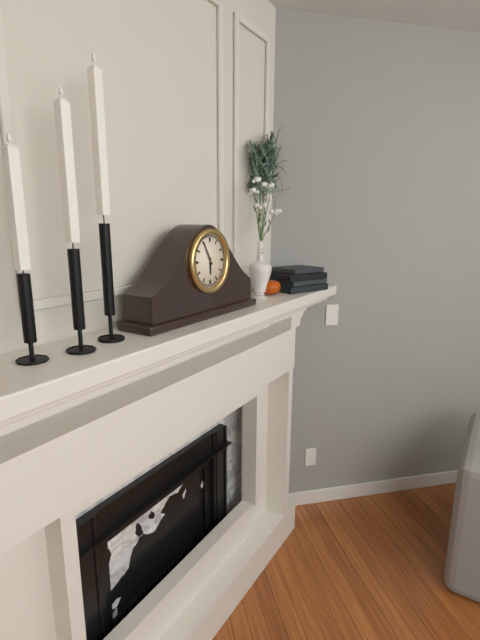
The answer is 5:55
